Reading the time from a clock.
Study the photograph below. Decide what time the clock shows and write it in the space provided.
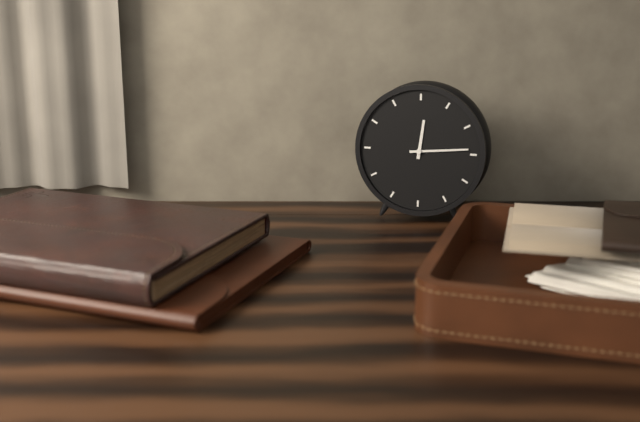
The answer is 12:14
